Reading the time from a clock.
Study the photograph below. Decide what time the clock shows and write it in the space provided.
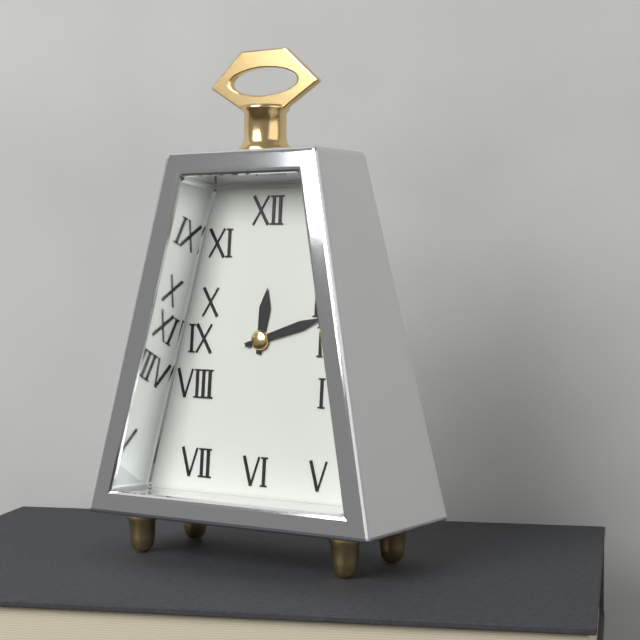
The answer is 12:12
